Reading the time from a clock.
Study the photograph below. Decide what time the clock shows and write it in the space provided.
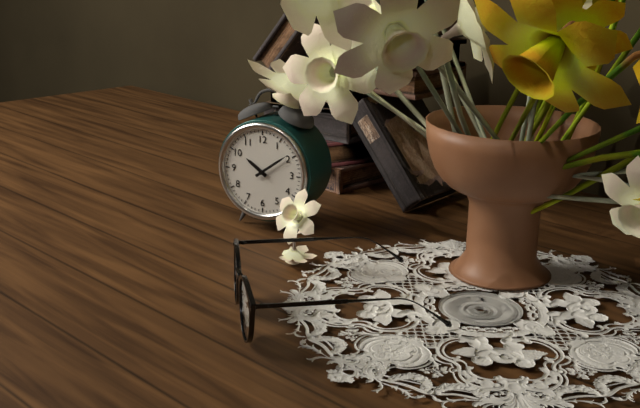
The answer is 10:09
